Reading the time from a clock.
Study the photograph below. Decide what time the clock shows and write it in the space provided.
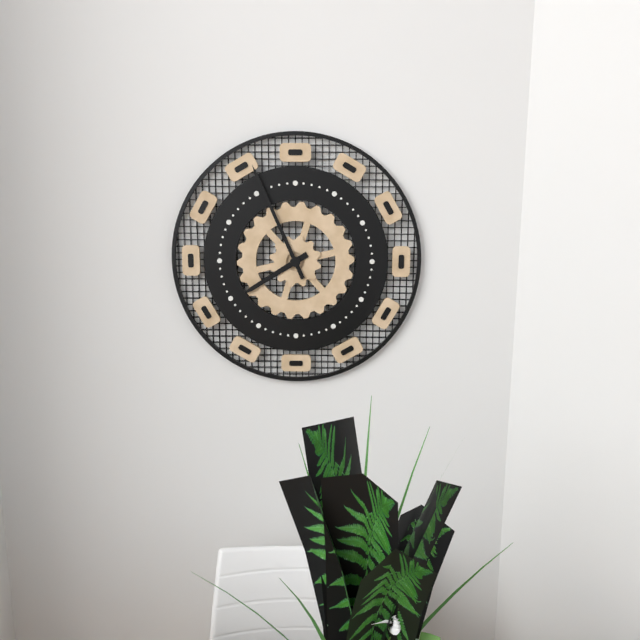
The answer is 7:56
